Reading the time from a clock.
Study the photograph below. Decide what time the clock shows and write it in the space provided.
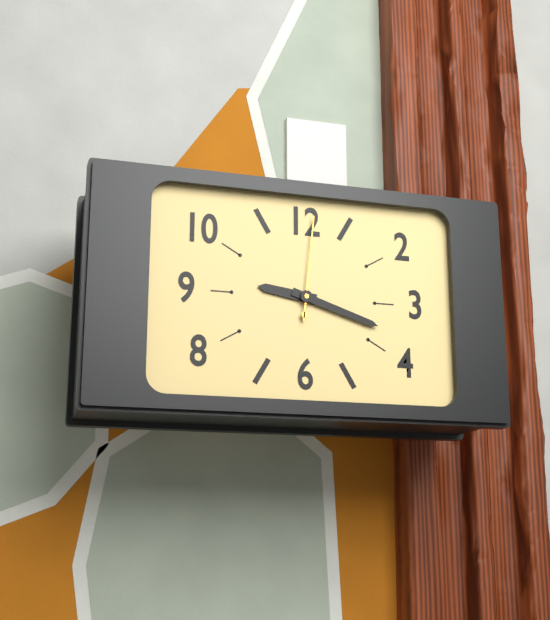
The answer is 9:18:01
